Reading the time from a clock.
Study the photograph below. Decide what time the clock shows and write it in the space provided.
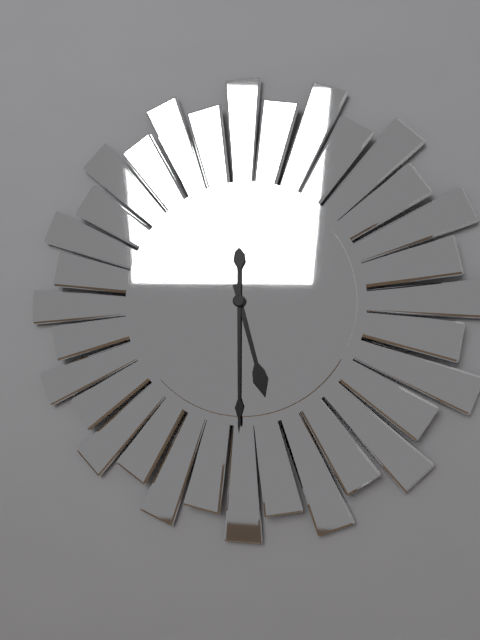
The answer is 5:30
